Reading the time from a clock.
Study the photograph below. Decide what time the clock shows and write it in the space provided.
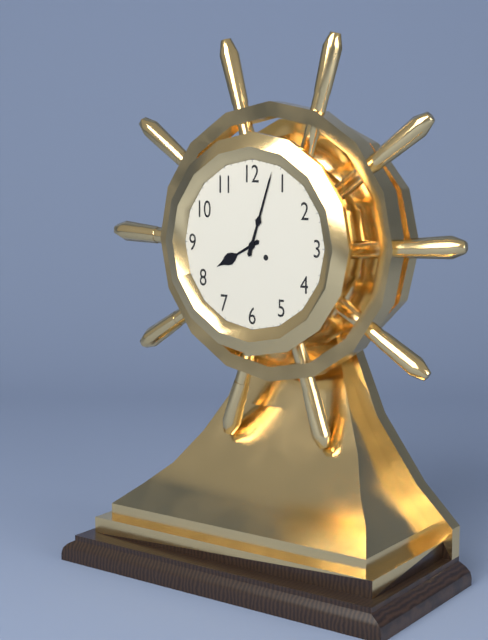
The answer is 8:03
